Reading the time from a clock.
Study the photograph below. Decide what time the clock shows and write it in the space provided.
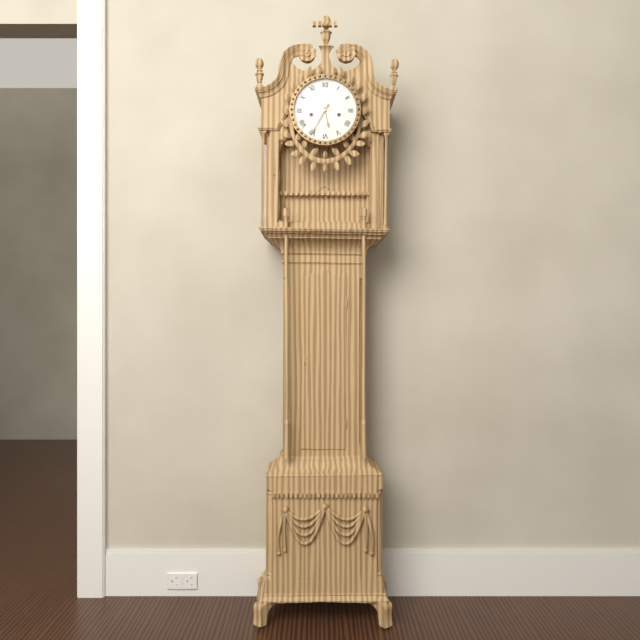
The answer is 5:35
